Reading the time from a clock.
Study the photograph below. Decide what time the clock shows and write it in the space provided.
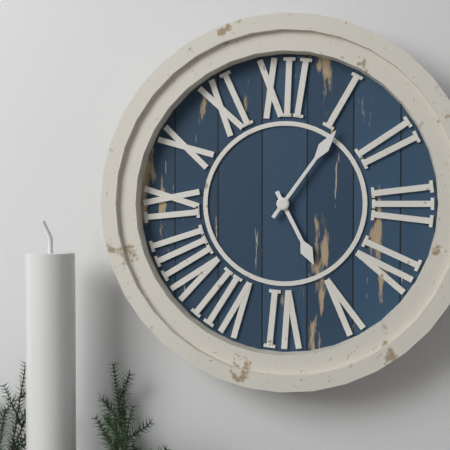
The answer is 5:06
